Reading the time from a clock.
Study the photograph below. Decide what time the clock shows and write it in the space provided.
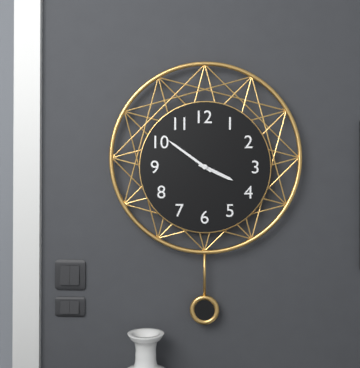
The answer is 3:51
